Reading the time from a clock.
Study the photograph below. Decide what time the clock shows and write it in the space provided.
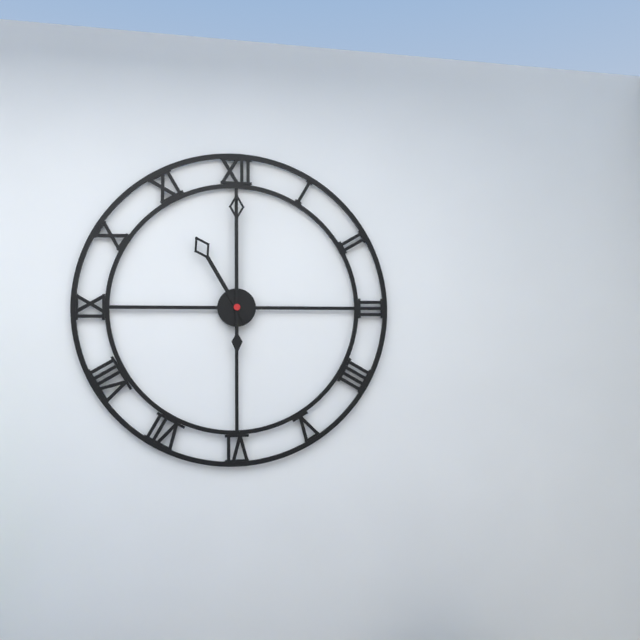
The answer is 11:00
